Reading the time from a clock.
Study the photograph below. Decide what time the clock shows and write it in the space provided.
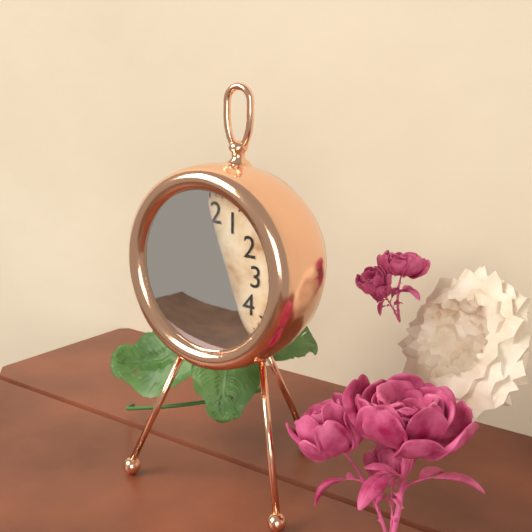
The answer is 6:31
